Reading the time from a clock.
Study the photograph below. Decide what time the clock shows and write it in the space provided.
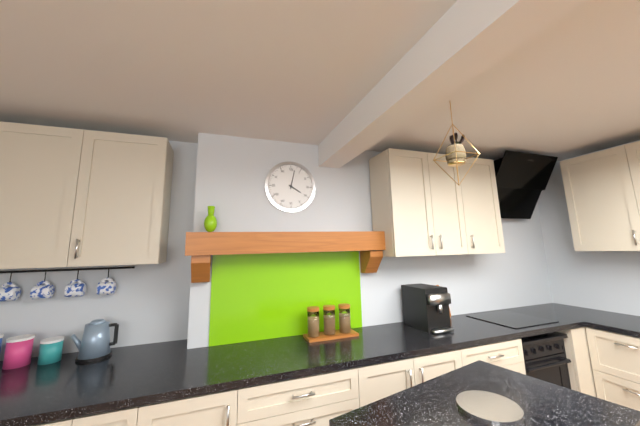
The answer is 4:02
